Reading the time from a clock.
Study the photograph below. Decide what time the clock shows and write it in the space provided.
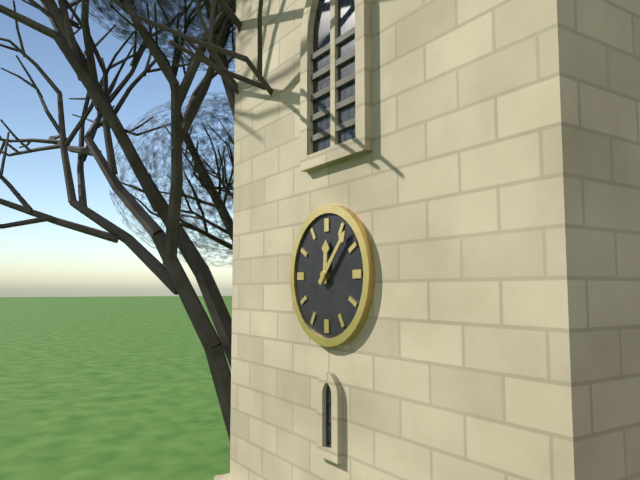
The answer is 12:07
